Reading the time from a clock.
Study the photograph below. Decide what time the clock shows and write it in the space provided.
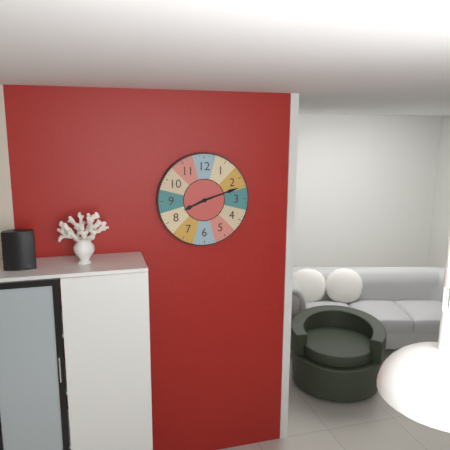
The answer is 8:12
